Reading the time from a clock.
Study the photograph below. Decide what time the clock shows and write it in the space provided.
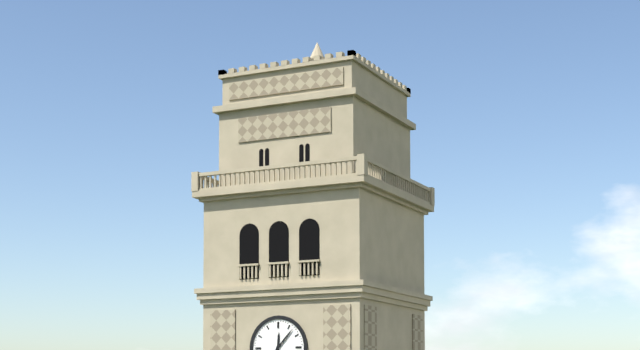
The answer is 12:07
